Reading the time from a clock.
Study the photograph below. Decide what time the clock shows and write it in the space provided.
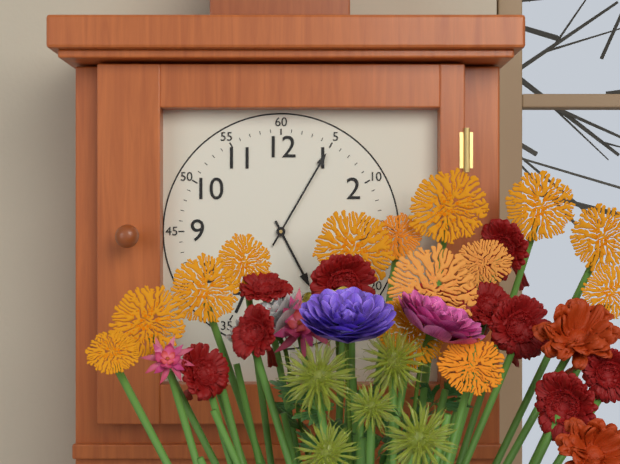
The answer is 5:05
